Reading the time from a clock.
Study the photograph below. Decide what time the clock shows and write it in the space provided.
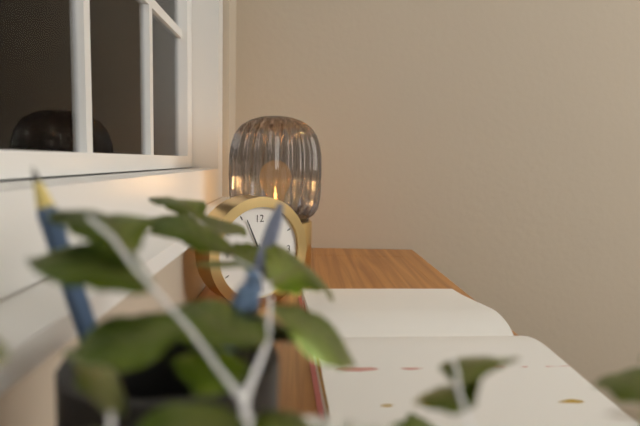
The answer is 2:56:29
